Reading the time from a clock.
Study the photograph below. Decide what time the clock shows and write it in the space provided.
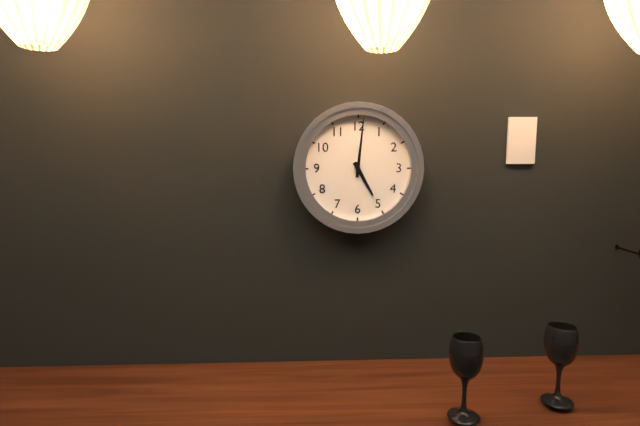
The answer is 5:01
